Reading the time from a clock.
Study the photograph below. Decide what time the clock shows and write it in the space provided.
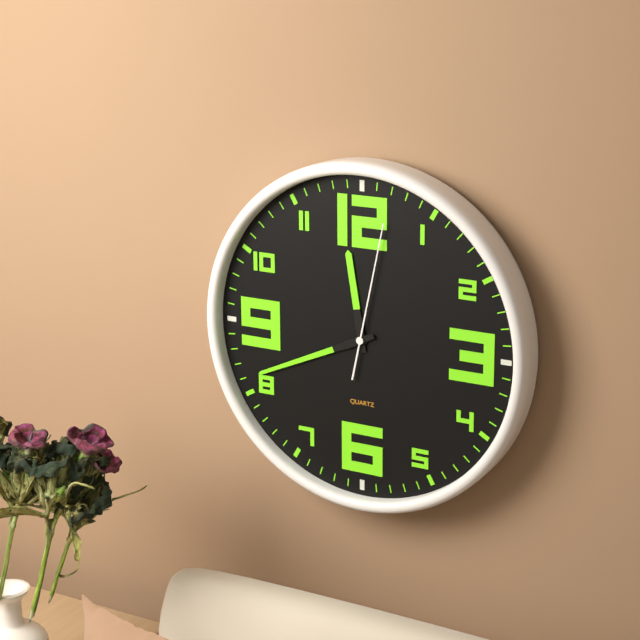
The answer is 11:41:02
